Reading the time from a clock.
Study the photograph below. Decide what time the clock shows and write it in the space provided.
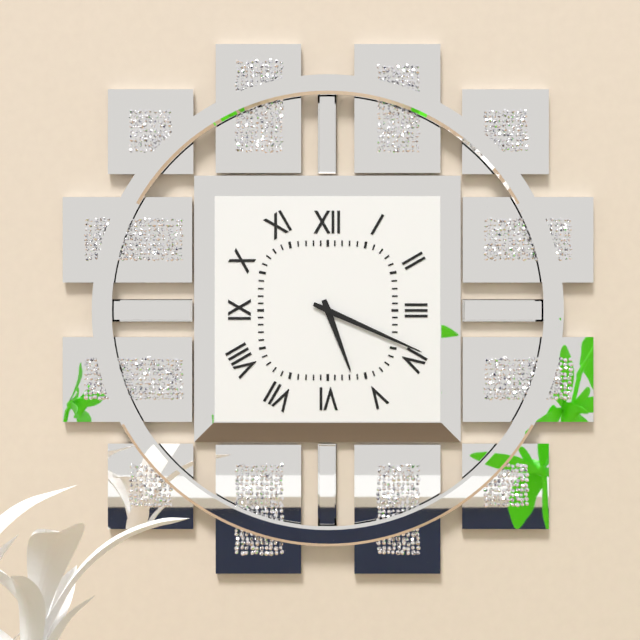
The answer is 5:19
